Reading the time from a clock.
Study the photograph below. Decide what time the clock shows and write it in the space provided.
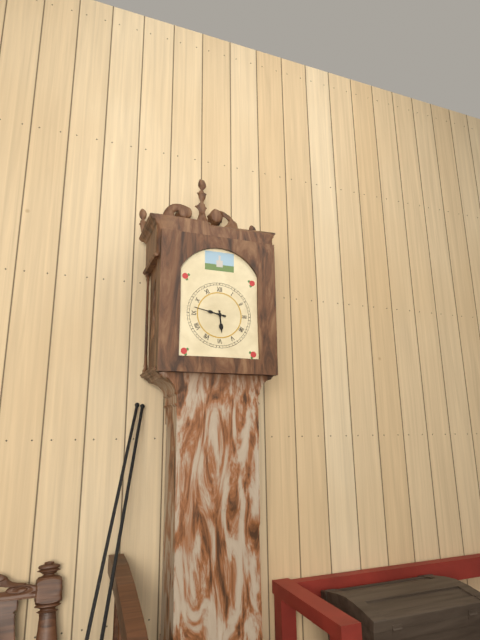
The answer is 5:47
